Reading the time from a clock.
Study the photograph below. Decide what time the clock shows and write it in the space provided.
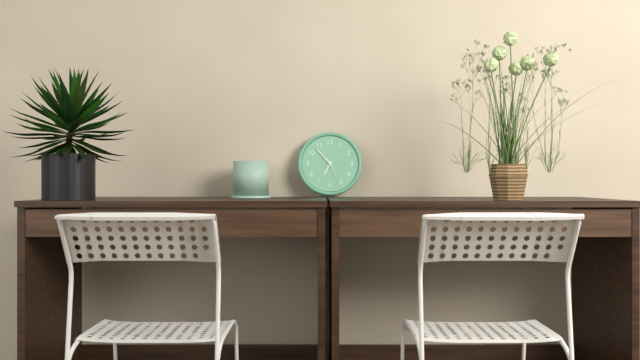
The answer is 6:53
